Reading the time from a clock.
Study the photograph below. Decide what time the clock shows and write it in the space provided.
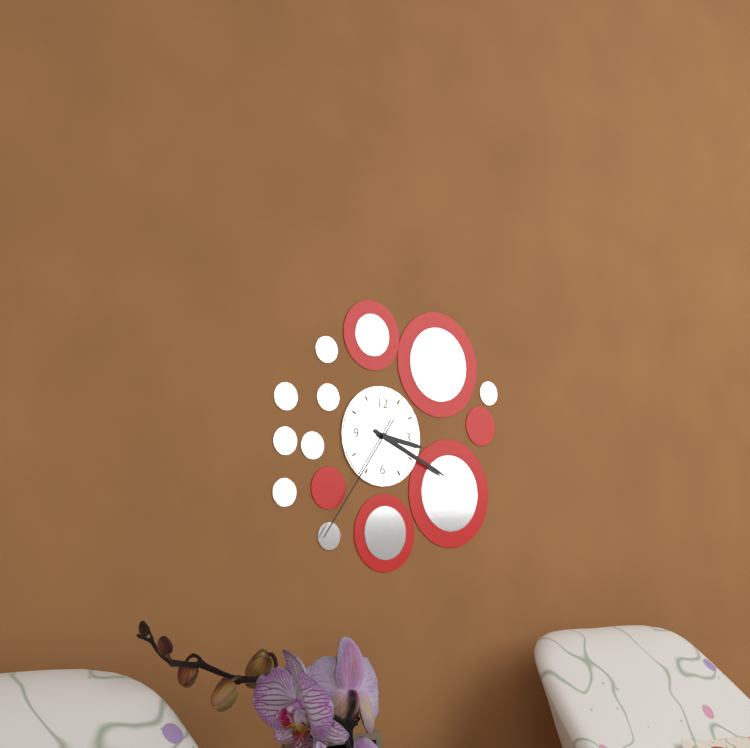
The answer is 3:19:36
